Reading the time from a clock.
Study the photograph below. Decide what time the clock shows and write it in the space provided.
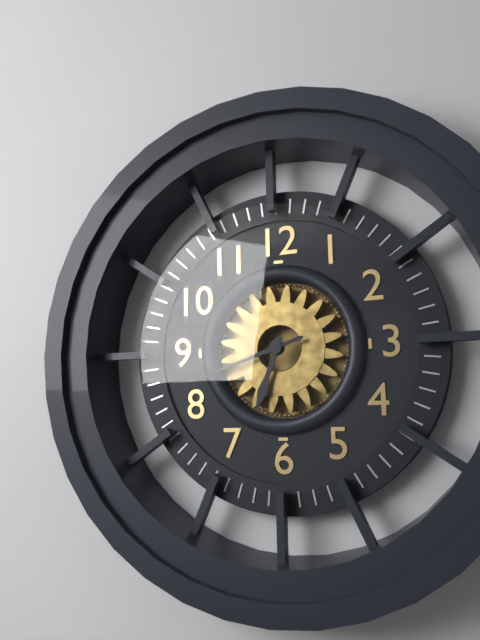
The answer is 6:42
